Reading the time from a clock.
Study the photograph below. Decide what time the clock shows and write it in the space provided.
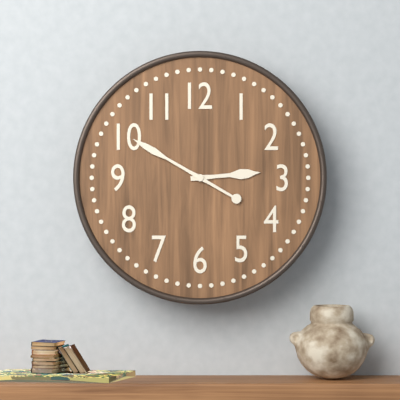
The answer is 2:50
